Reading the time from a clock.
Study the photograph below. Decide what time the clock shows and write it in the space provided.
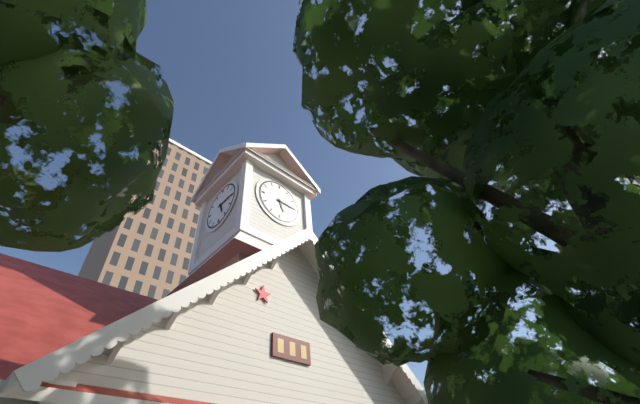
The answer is 5:15
